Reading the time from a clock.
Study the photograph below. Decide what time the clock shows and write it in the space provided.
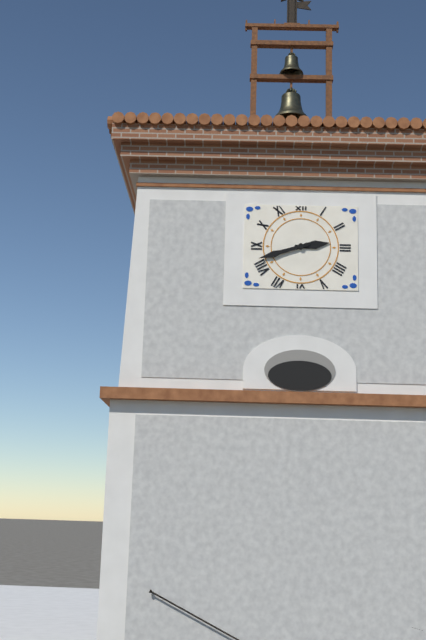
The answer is 2:42
